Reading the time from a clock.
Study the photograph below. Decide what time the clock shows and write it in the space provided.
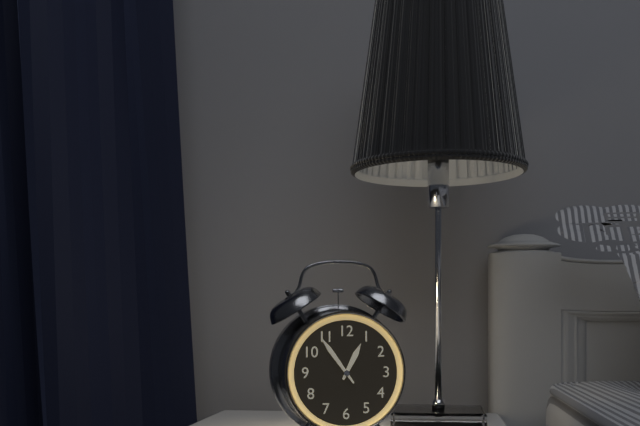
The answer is 12:54
